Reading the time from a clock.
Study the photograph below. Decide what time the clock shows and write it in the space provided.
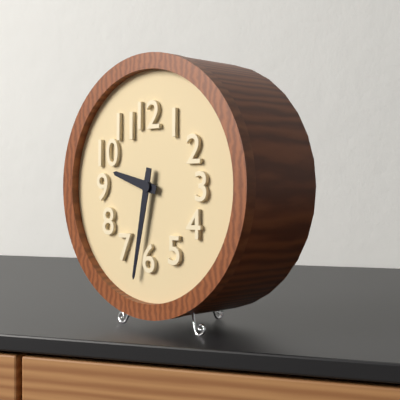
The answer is 9:32
